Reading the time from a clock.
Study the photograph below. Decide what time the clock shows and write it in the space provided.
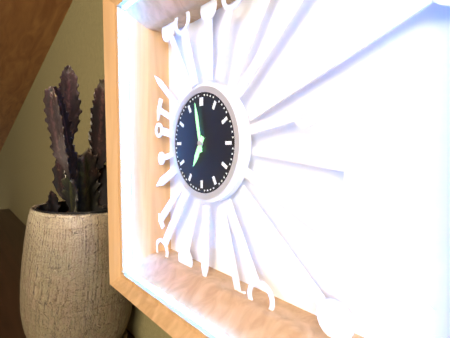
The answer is 6:58
